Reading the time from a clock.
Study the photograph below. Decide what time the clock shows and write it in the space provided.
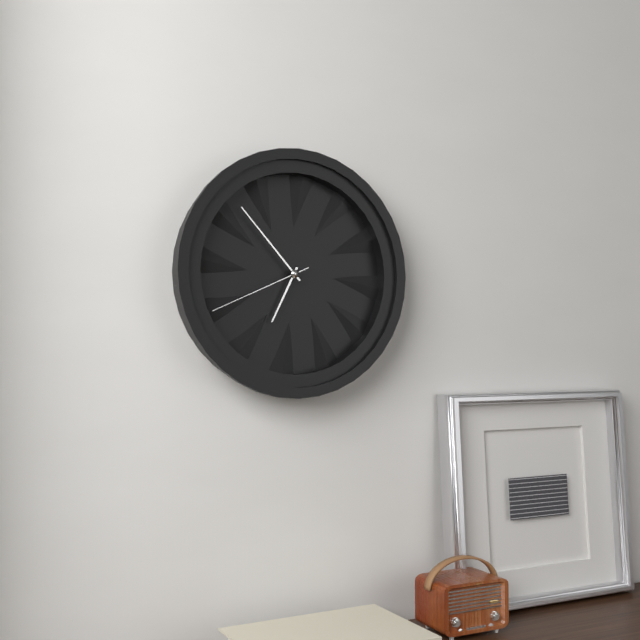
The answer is 6:53:41
